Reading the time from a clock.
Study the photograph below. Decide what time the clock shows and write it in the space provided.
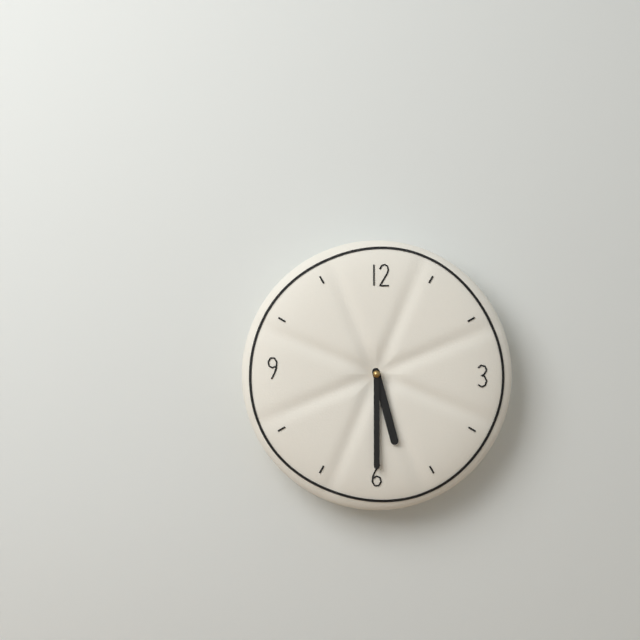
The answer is 5:30
